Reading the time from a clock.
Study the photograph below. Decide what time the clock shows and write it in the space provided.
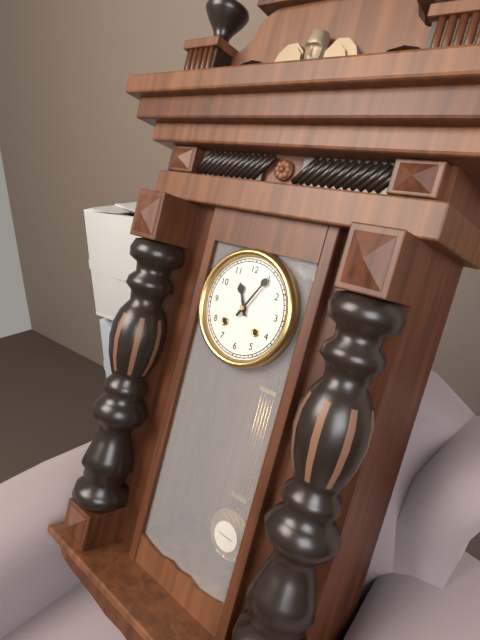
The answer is 11:05
